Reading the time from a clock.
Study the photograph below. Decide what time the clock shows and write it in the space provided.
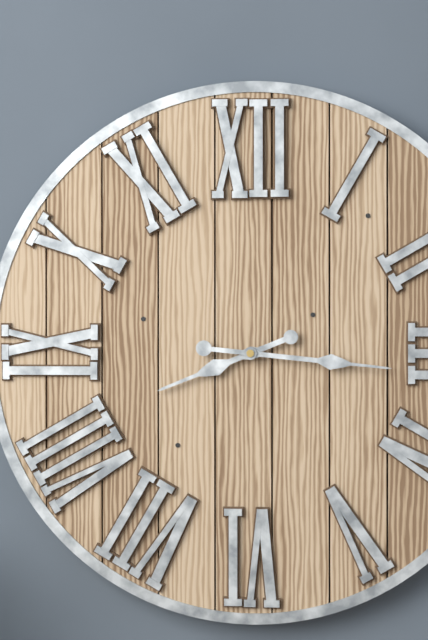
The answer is 8:16
